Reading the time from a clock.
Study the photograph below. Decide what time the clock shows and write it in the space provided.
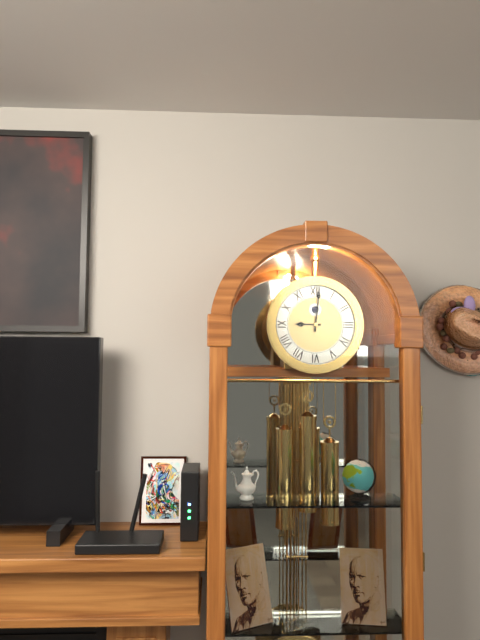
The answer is 9:01
